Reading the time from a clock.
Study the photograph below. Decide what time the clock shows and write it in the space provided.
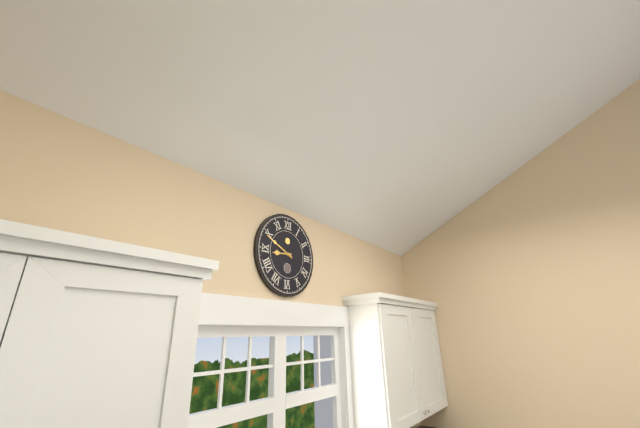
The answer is 8:49
